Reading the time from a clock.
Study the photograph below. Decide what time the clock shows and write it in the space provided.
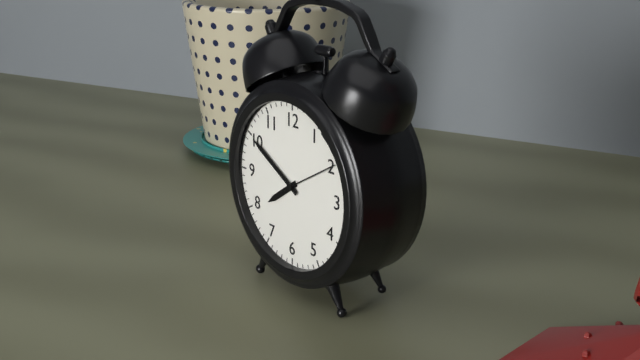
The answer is 7:50:10
